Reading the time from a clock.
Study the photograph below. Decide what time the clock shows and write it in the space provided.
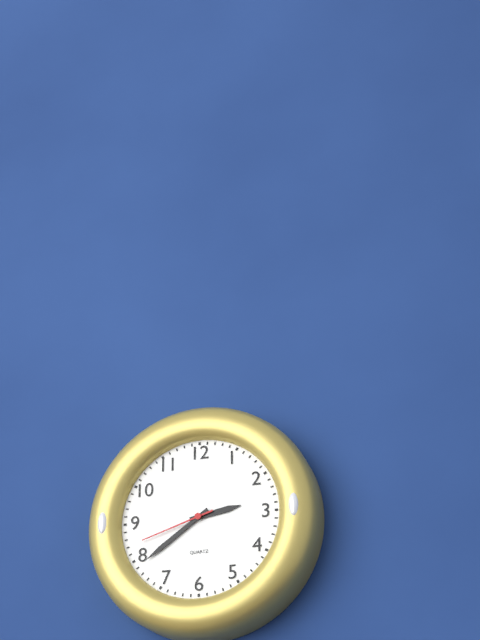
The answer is 2:39:42
